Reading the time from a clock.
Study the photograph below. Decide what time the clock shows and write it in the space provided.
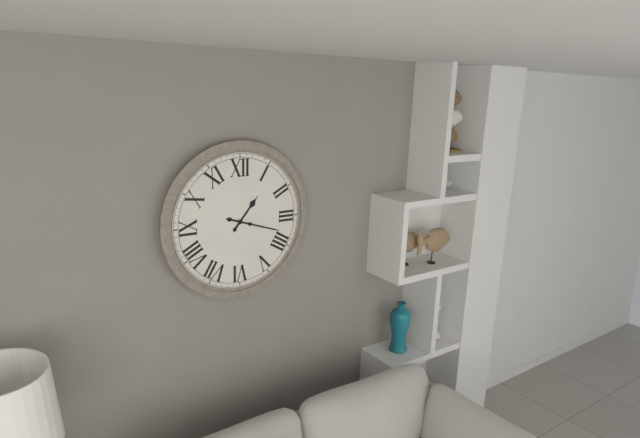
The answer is 1:18
